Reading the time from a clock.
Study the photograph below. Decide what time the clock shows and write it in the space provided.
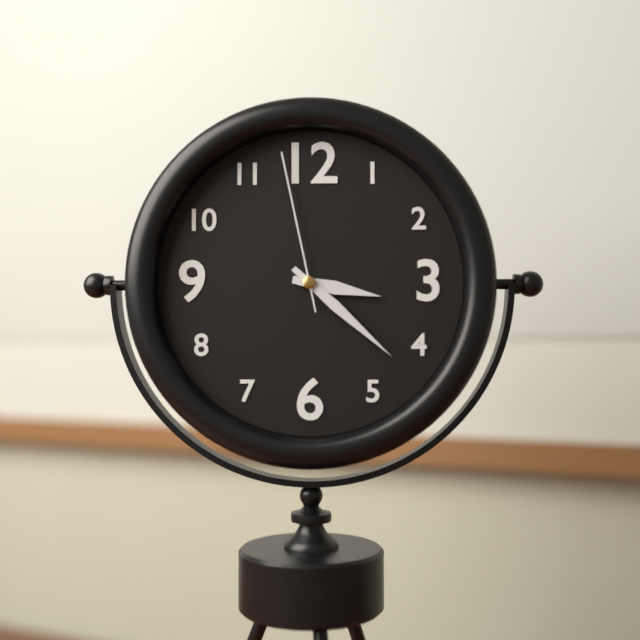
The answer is 3:22:58
